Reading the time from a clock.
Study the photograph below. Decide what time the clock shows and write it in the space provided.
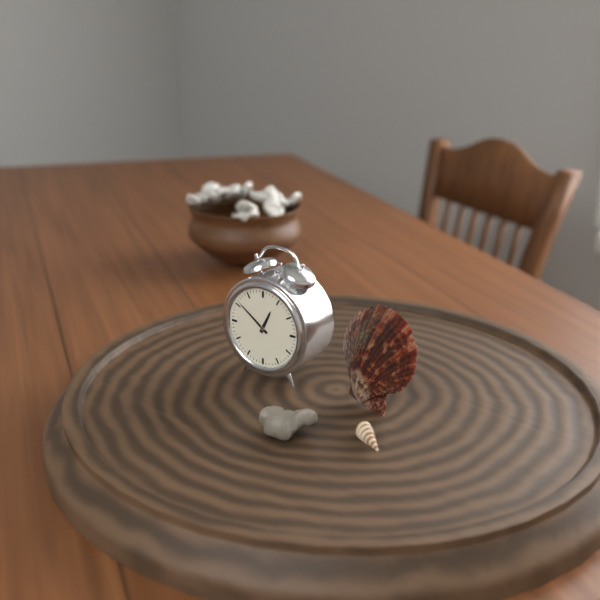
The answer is 12:51
